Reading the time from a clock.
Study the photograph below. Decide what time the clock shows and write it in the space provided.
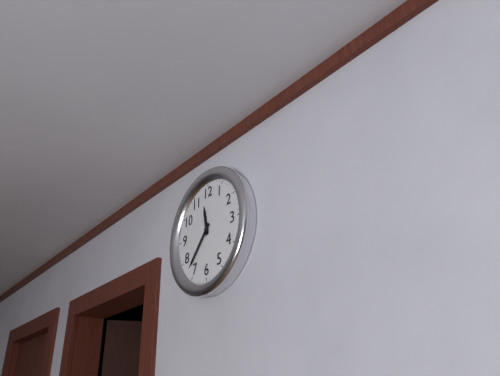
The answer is 11:37
